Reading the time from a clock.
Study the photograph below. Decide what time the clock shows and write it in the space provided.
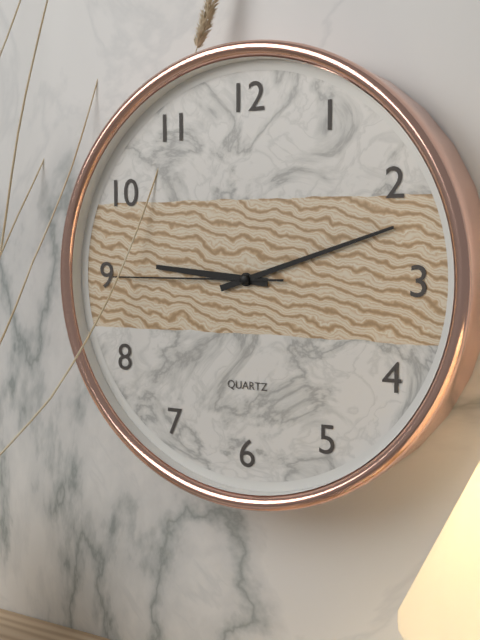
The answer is 9:12:45
